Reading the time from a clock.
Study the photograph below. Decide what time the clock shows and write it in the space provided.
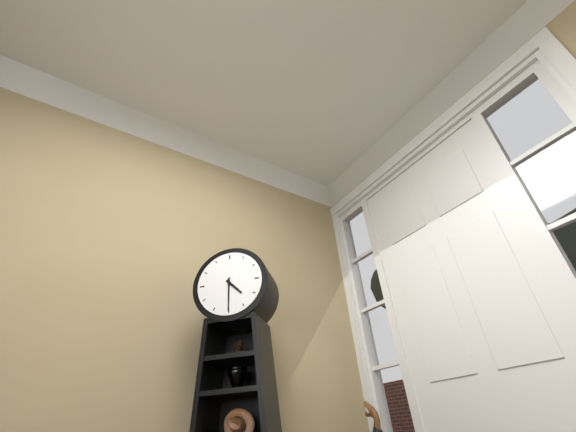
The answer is 4:30
